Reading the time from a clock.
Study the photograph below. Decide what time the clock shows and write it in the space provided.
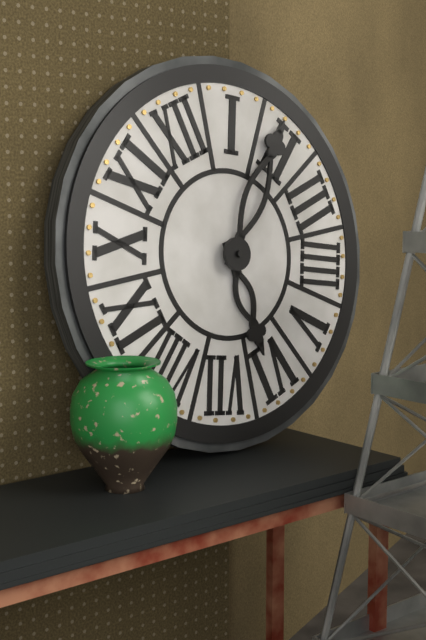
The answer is 6:09
